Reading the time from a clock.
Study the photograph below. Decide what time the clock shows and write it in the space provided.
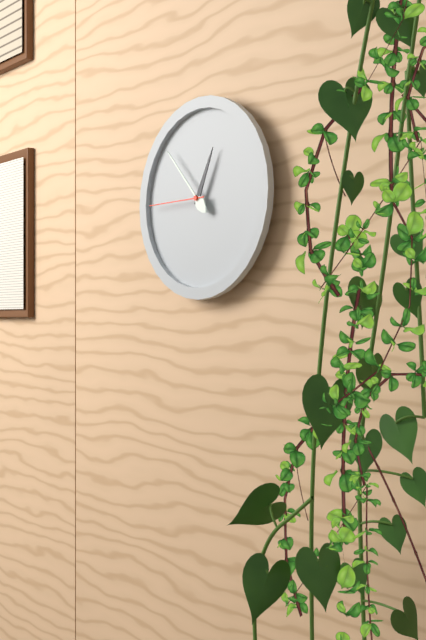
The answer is 12:53:45
